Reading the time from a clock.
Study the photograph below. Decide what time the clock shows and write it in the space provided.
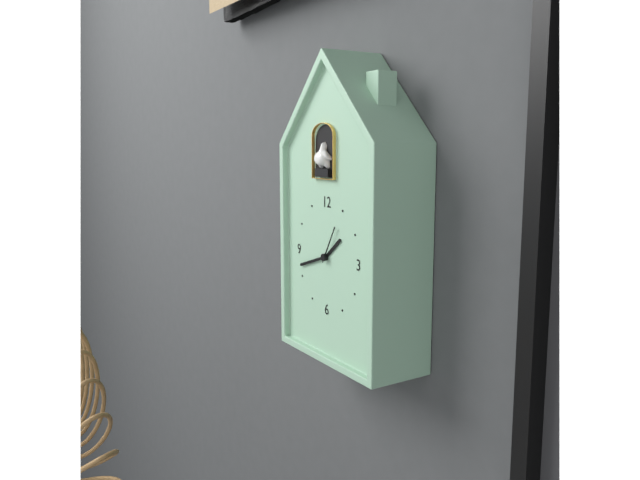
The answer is 1:42
